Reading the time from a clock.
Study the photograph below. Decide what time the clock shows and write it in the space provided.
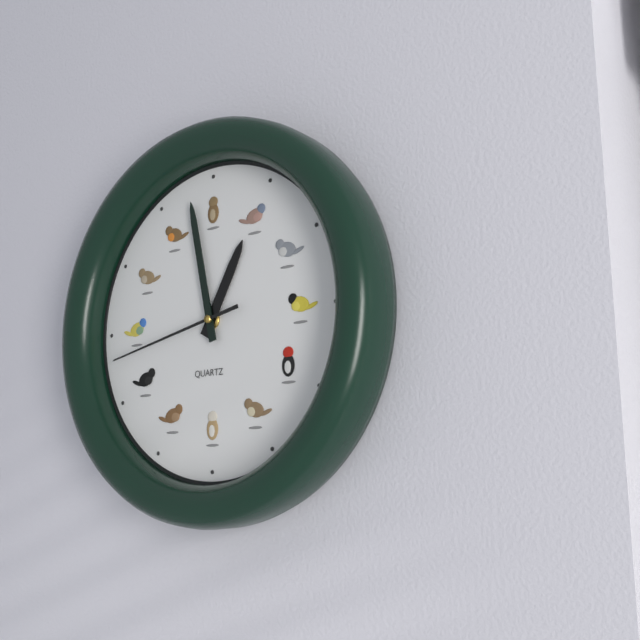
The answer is 12:58:43
